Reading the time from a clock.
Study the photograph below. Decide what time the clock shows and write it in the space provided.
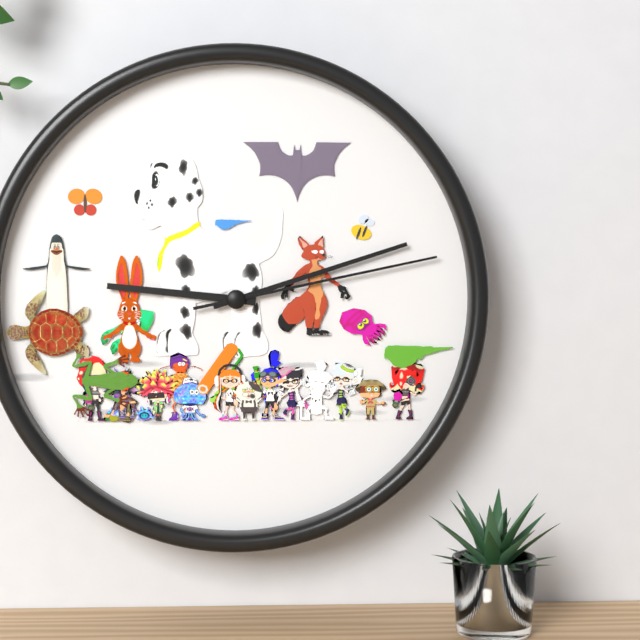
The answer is 9:12:13
